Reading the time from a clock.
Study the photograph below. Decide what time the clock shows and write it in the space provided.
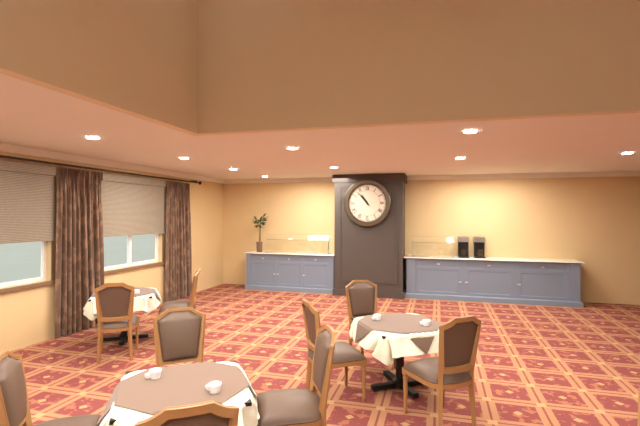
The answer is 10:53
